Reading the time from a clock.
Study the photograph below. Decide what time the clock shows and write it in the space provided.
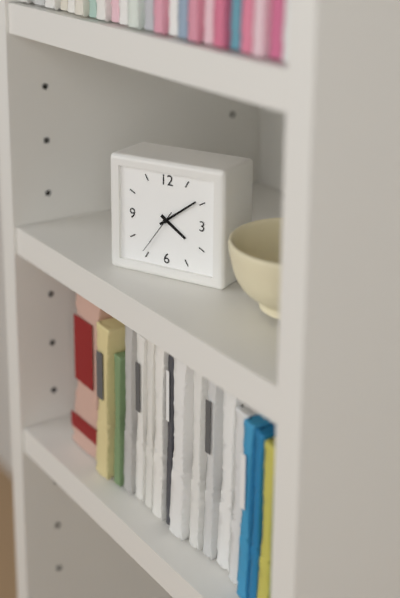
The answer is 4:09
